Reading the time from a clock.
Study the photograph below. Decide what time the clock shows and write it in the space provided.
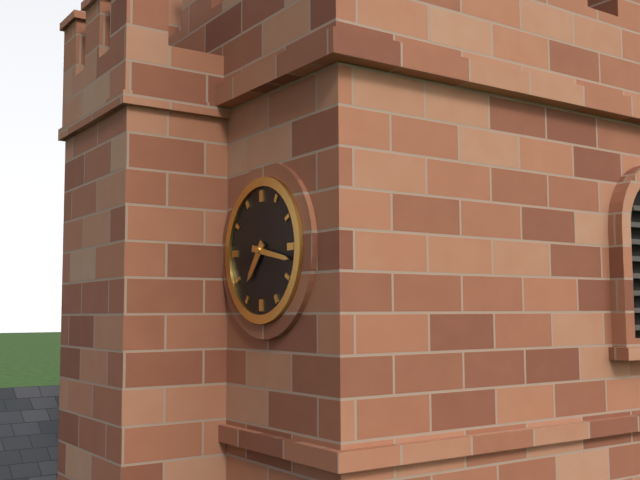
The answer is 7:17
